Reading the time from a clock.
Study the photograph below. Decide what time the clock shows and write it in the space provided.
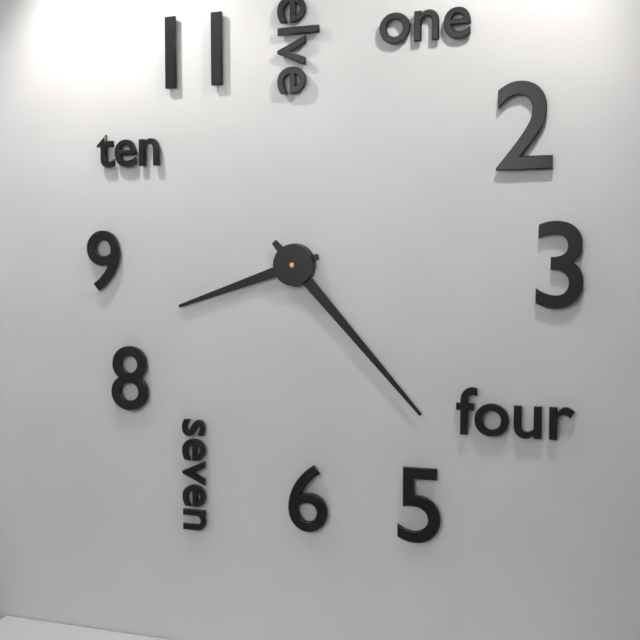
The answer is 8:23
